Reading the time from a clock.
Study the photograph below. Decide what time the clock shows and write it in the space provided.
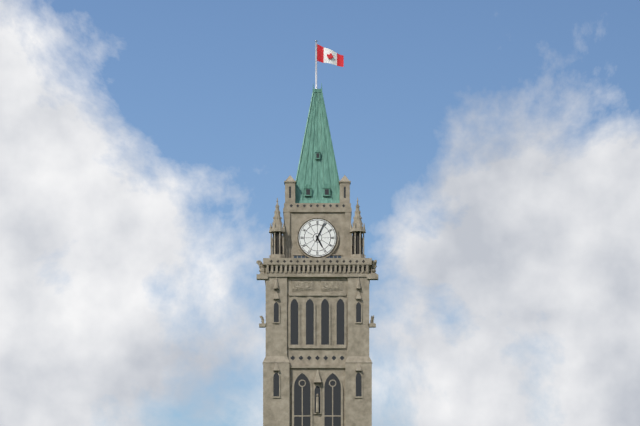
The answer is 5:04
